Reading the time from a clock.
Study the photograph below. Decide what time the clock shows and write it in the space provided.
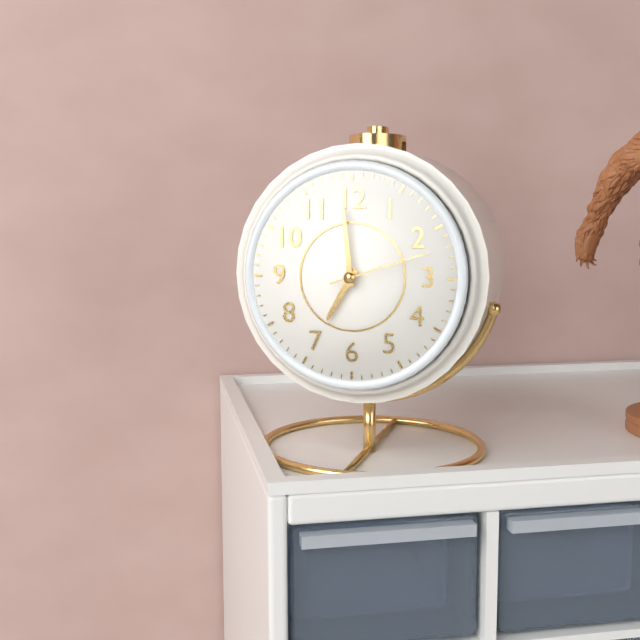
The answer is 6:59:12
